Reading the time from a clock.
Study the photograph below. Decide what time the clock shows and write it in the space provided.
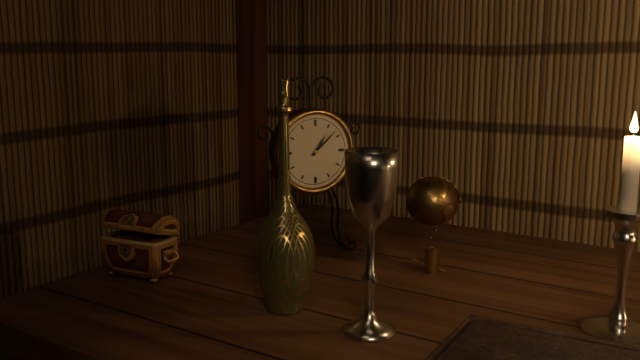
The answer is 1:08
